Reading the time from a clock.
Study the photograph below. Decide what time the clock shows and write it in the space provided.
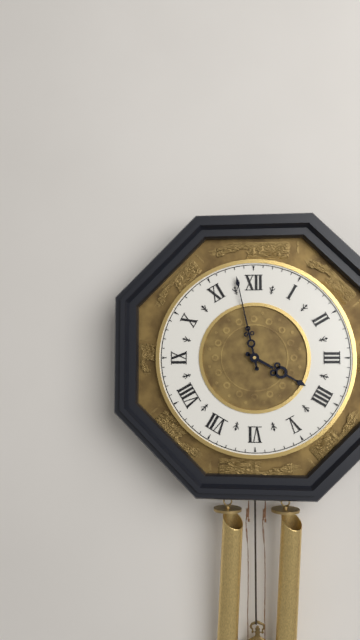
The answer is 3:58
